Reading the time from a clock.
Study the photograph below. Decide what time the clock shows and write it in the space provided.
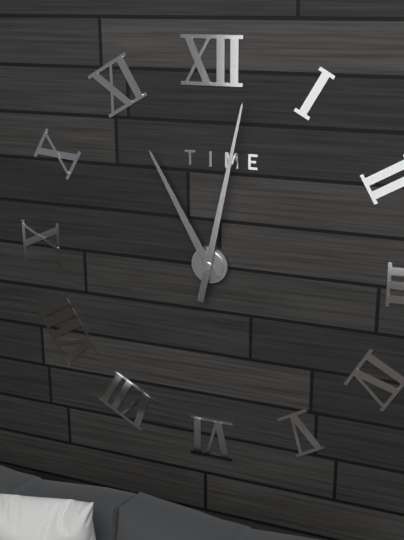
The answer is 11:02
